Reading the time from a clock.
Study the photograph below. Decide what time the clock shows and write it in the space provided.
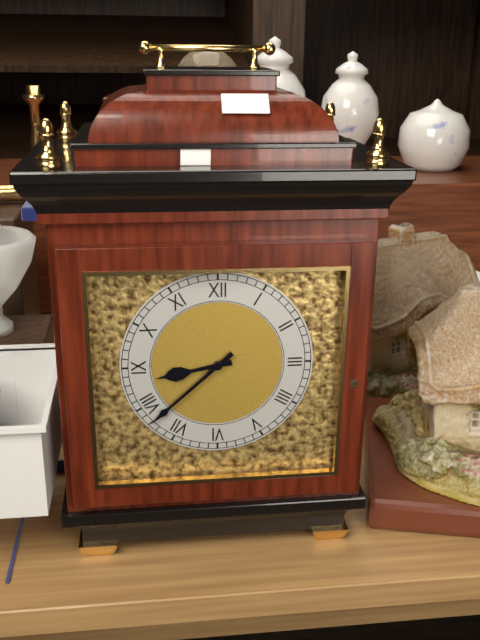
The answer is 8:38
